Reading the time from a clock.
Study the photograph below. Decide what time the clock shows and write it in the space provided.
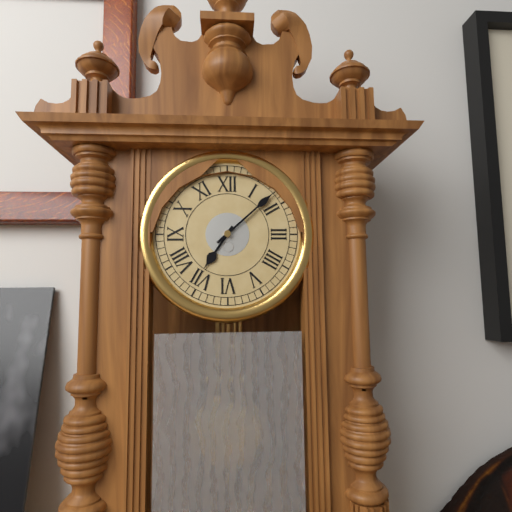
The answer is 7:08
